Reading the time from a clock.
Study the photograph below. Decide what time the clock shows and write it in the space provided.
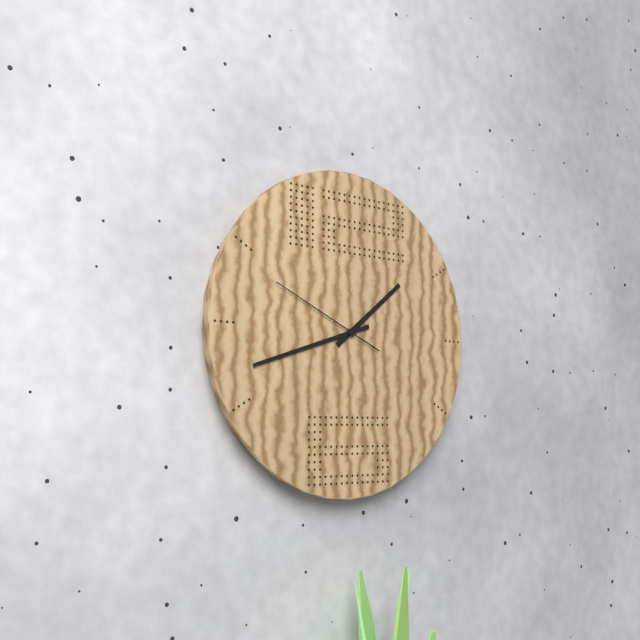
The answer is 1:42:49
